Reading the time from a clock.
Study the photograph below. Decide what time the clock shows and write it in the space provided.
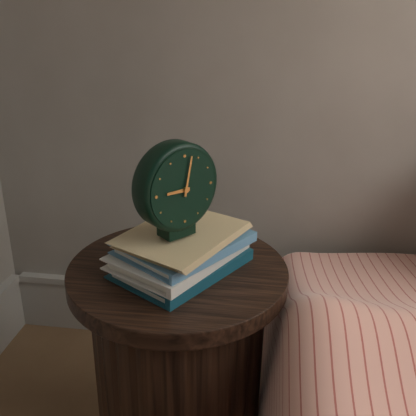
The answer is 9:02
